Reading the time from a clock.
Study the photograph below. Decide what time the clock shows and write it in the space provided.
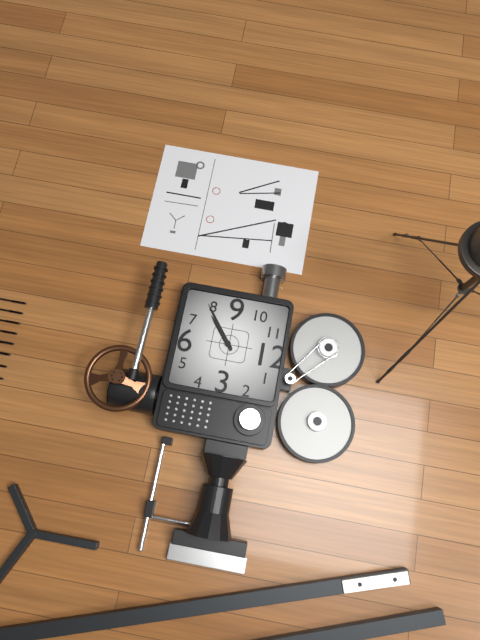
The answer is 7:39
